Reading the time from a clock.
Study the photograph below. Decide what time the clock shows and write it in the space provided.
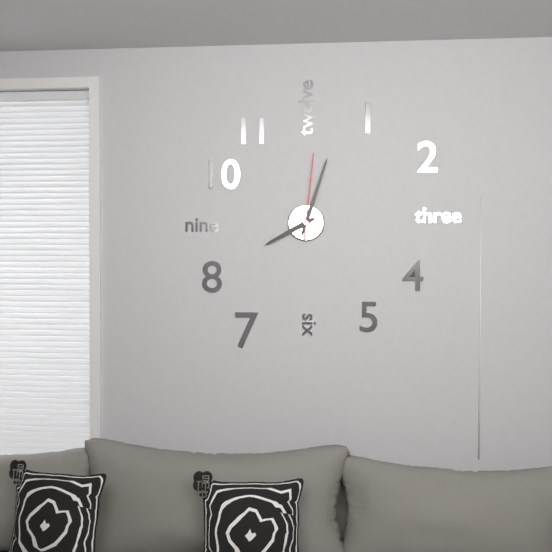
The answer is 8:03:01
